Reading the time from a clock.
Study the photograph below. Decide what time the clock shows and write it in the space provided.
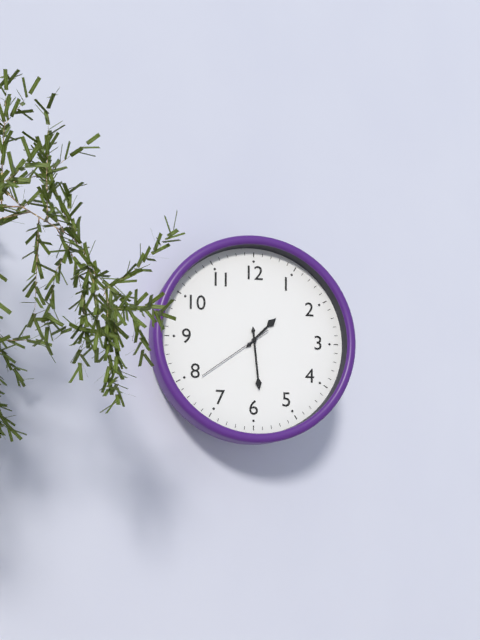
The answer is 1:29:39
